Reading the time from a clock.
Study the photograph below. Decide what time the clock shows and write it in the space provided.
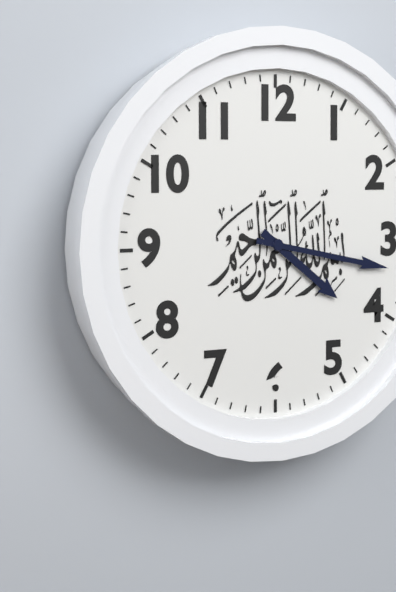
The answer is 4:17
